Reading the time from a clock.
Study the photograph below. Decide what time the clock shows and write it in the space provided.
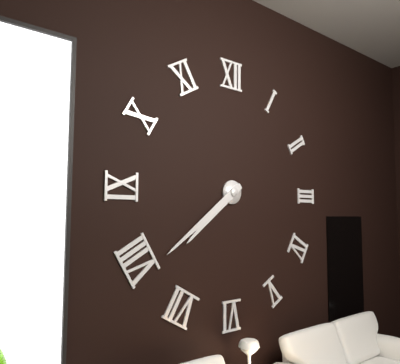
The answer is 7:39
